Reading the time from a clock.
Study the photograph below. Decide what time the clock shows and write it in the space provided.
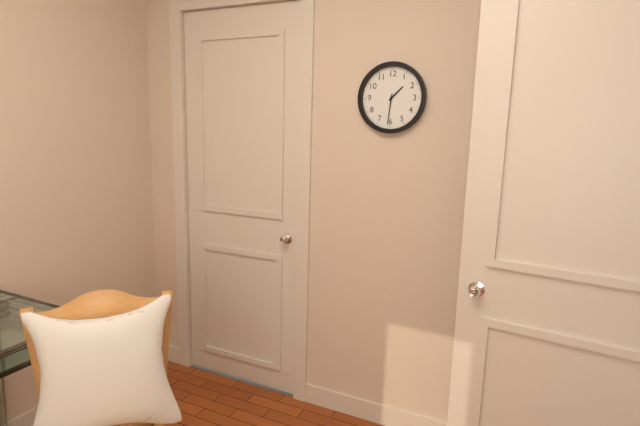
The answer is 1:31
